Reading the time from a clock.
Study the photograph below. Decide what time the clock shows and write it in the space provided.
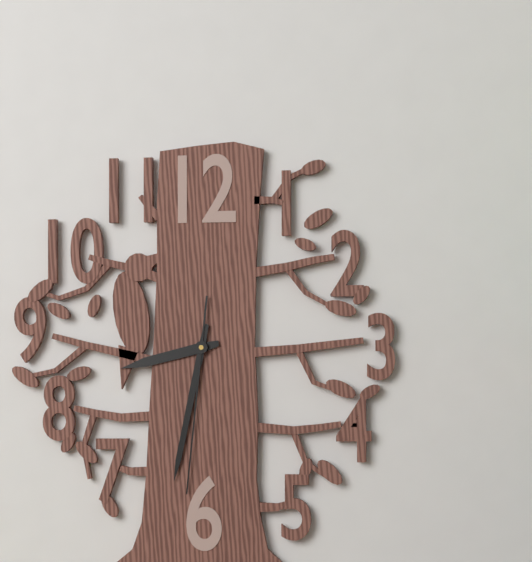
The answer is 8:32:31
